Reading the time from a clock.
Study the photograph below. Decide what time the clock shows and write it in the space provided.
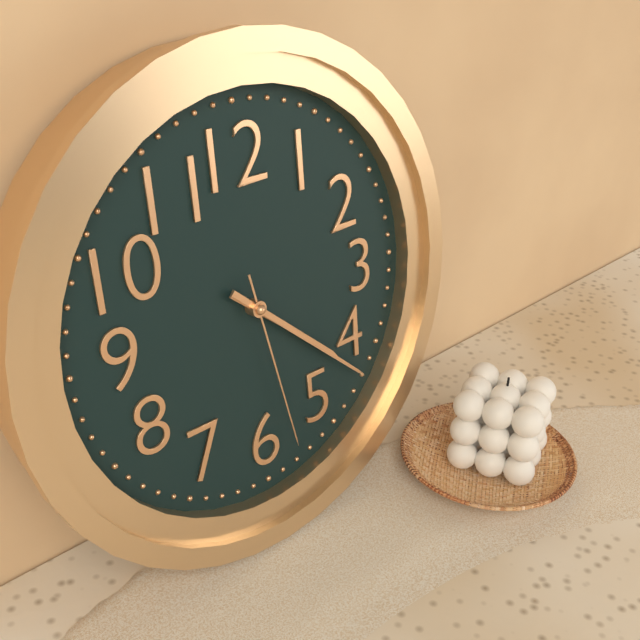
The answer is 4:22:28
